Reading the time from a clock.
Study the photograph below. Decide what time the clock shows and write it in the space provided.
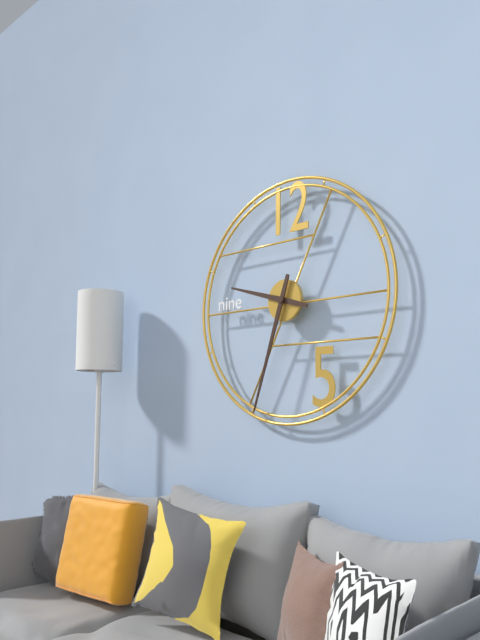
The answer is 9:33
